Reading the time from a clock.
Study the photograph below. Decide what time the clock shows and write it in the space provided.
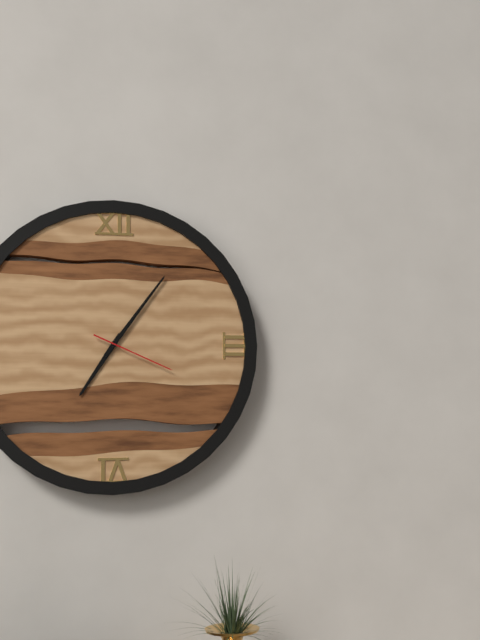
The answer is 7:06:19
